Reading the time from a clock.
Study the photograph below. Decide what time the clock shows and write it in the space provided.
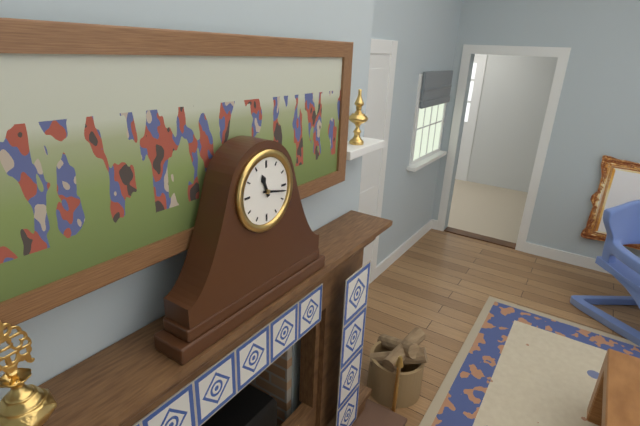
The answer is 11:17
